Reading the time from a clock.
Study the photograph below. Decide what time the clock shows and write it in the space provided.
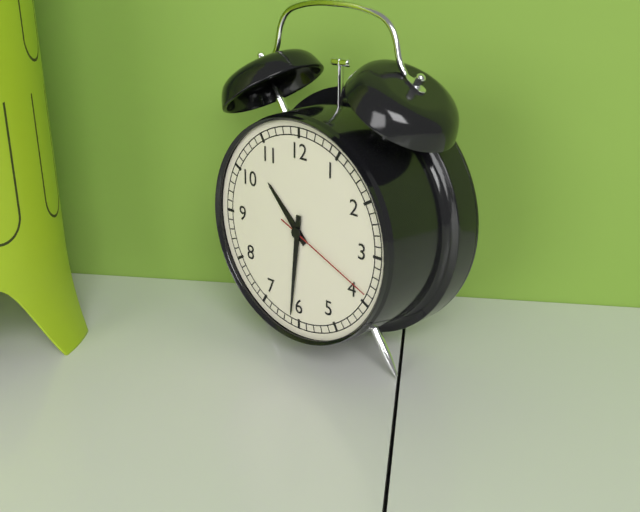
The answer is 10:31:19
